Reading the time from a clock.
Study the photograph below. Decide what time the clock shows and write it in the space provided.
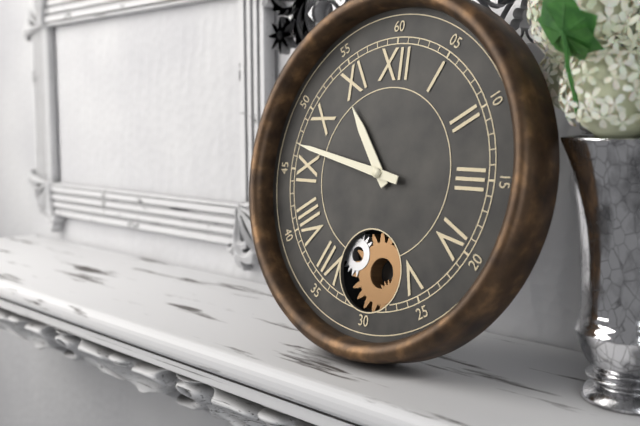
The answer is 10:47
